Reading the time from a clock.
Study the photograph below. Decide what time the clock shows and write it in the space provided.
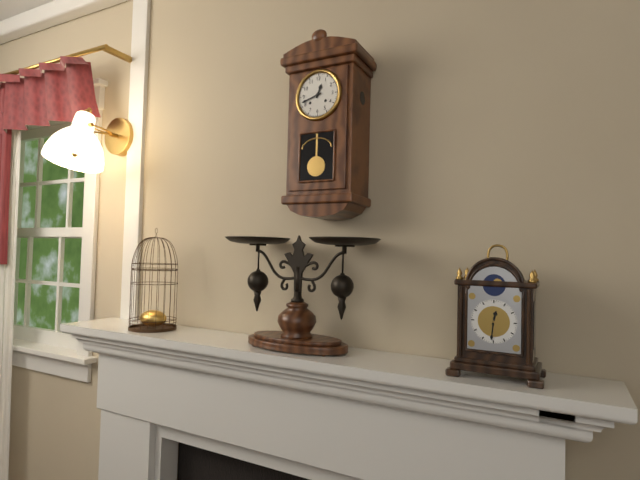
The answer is 12:42
